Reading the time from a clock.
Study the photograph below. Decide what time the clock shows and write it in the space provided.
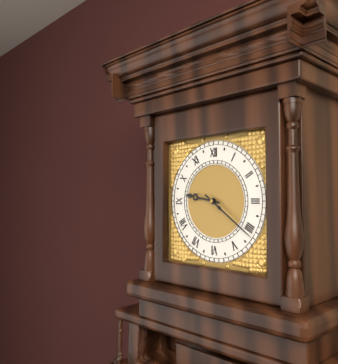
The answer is 9:21
